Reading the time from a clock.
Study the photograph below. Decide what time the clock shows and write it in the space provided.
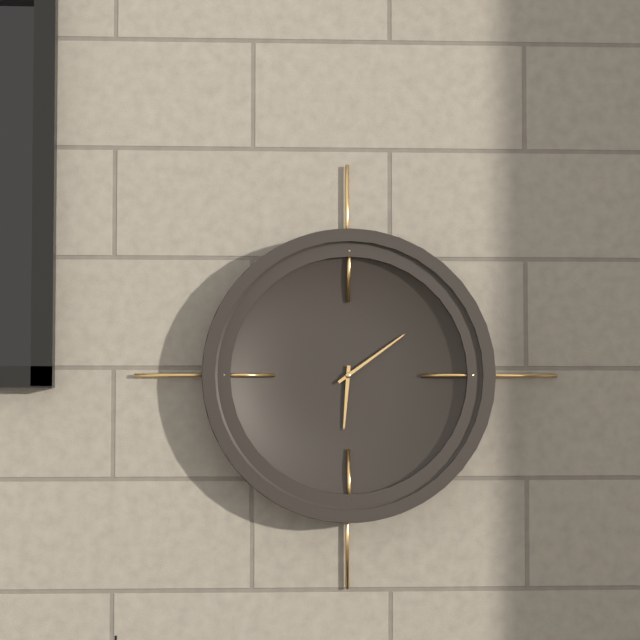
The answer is 6:09
